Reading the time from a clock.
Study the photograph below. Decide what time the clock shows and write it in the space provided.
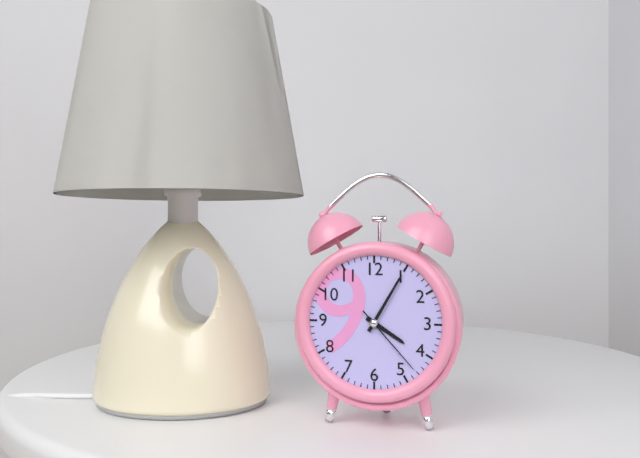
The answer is 4:05:23
